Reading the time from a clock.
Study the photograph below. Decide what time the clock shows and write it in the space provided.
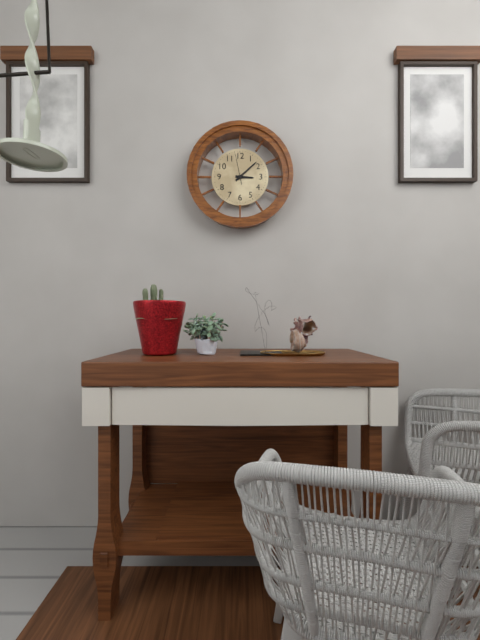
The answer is 3:08
